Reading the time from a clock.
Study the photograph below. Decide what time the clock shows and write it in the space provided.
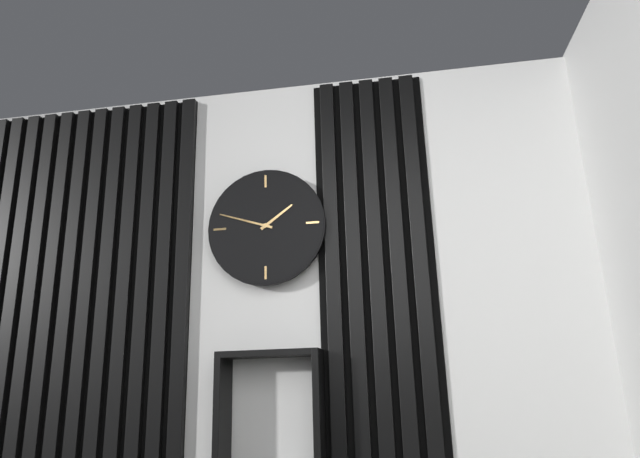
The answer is 1:48
